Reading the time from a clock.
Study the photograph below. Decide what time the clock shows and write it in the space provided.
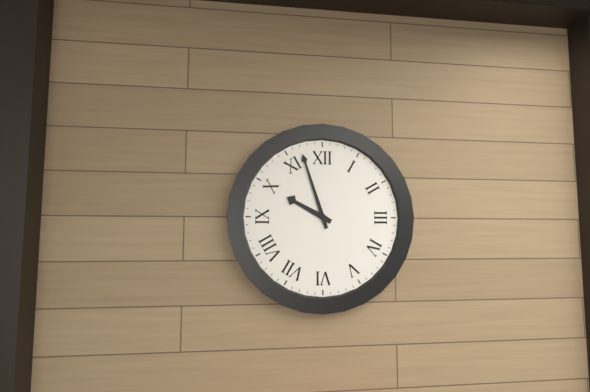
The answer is 9:57
